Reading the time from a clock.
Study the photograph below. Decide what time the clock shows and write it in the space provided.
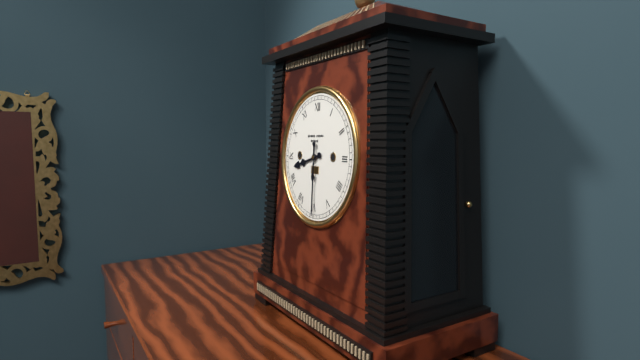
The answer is 8:30
